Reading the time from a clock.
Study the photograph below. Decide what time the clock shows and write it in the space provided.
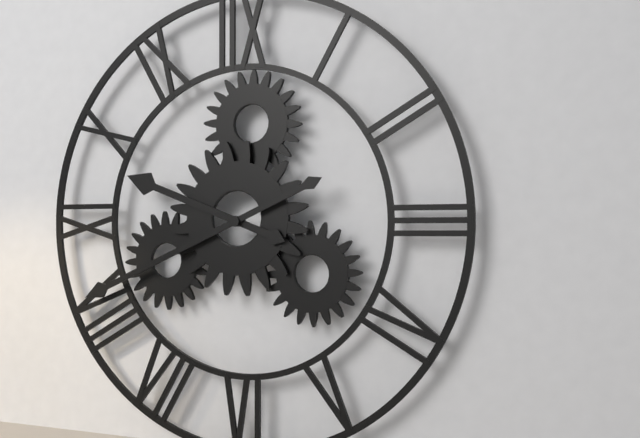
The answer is 9:41
